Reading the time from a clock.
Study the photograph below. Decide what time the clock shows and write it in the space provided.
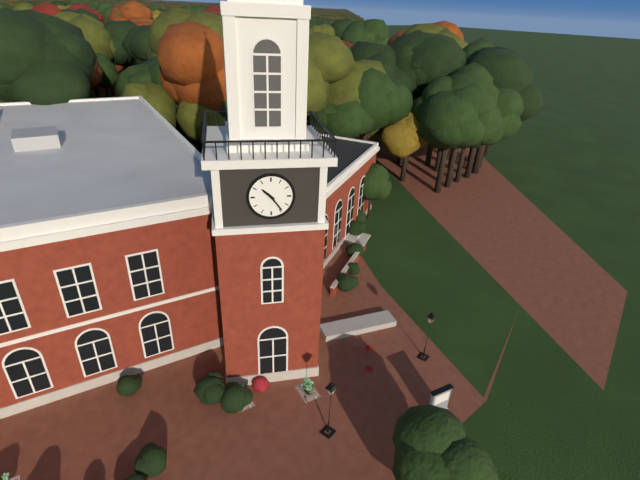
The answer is 10:24
